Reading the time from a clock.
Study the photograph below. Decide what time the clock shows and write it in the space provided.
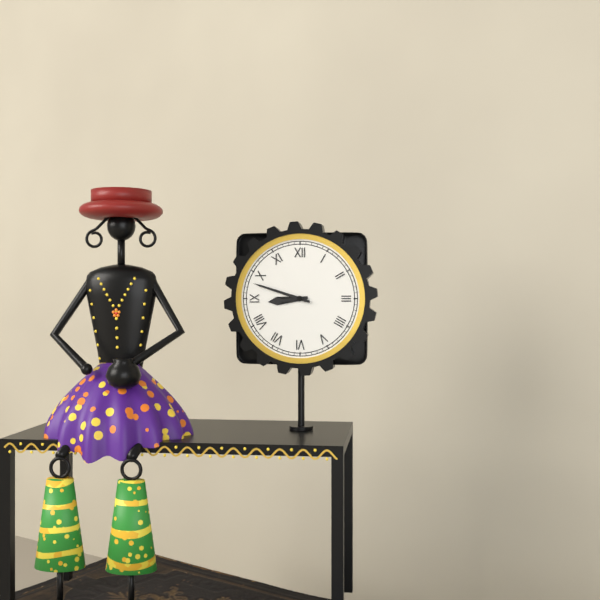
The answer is 8:48
